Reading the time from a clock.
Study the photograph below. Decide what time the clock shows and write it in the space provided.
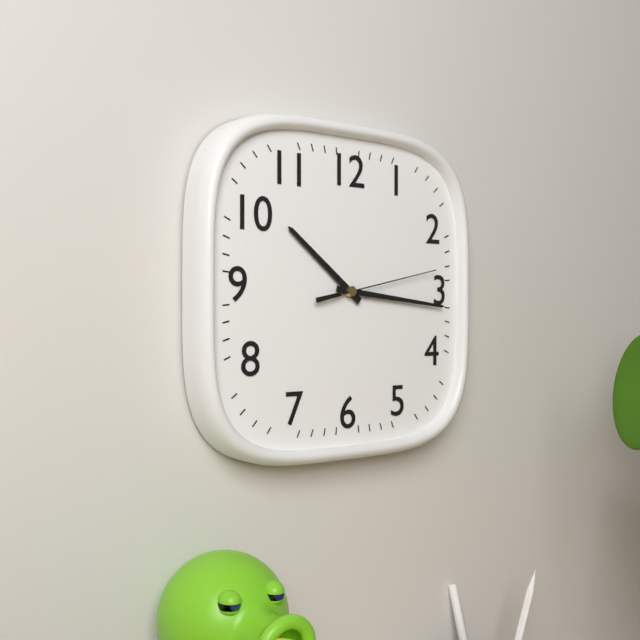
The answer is 10:16:13
